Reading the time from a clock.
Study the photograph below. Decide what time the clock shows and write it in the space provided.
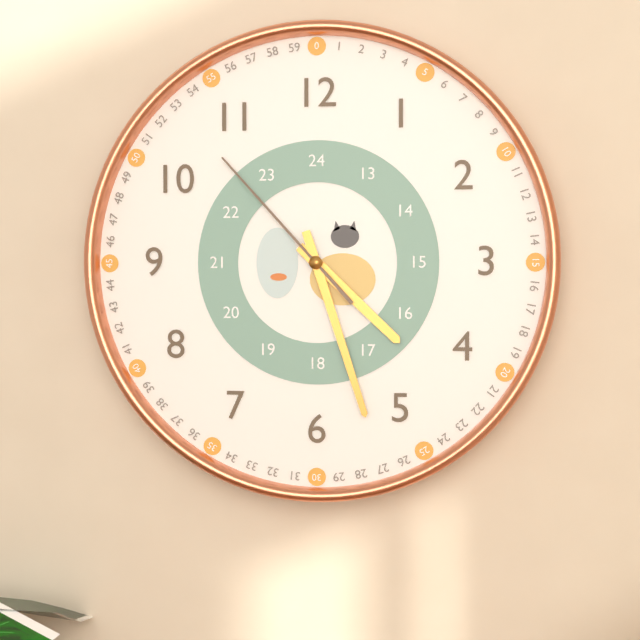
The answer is 4:27:53
